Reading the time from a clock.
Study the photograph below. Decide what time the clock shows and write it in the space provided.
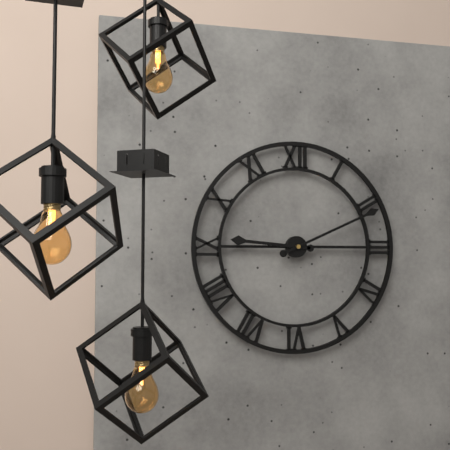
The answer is 9:11
